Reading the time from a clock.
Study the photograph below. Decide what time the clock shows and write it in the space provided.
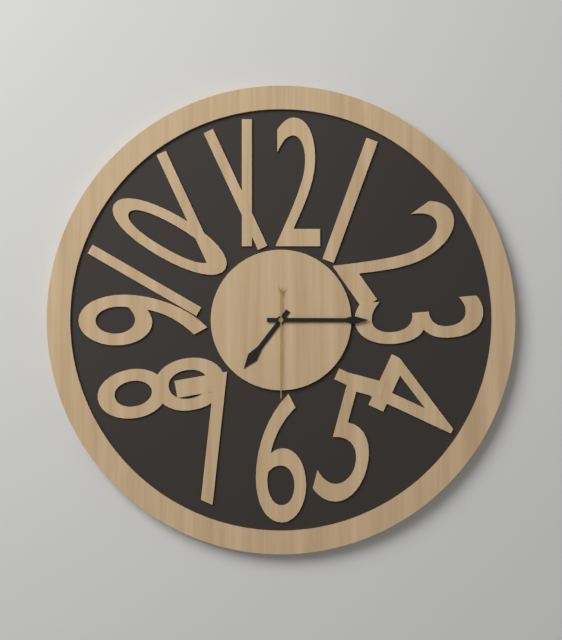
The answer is 7:15:30
